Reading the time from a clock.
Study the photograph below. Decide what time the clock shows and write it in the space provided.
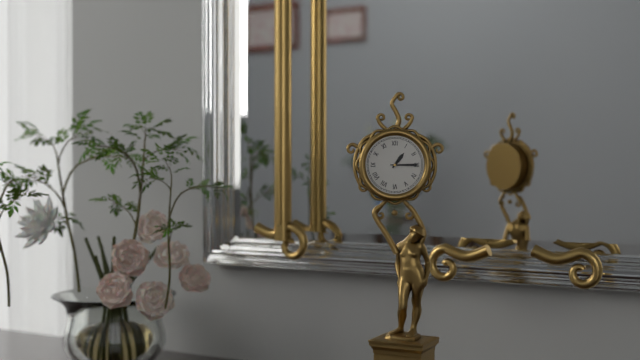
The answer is 1:15
